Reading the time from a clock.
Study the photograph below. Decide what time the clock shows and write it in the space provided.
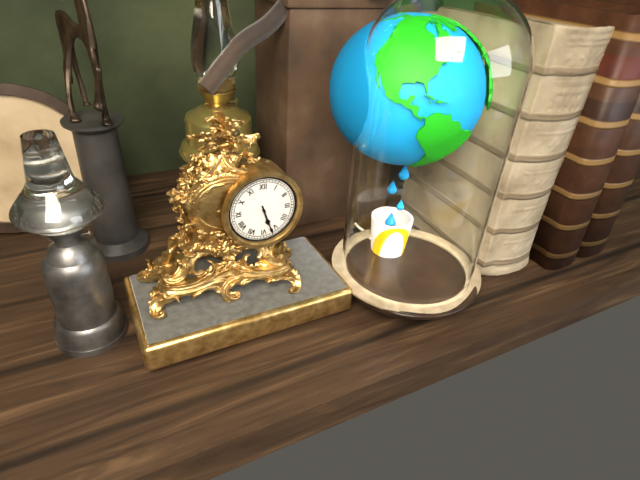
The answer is 5:27
